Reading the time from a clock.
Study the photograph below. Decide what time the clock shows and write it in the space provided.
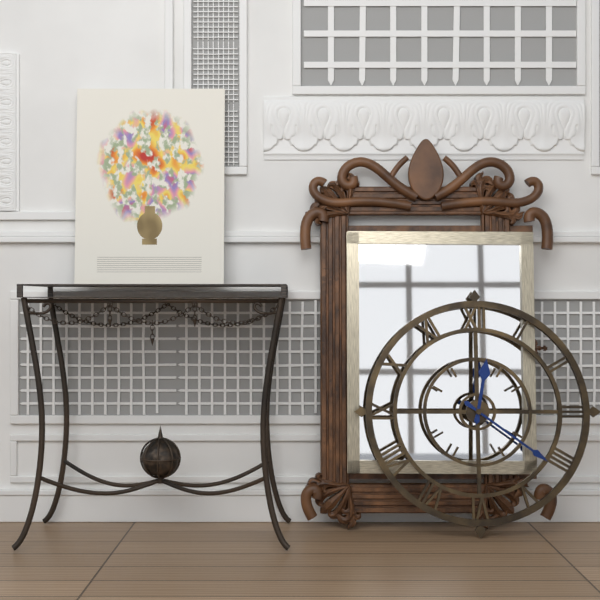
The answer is 12:21
